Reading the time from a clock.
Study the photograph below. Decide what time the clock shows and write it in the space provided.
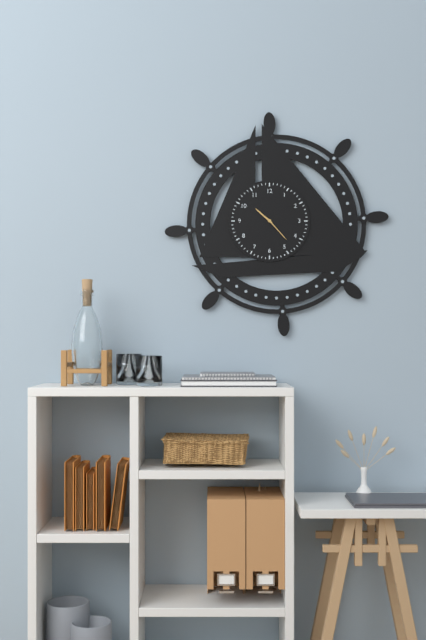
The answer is 10:23
